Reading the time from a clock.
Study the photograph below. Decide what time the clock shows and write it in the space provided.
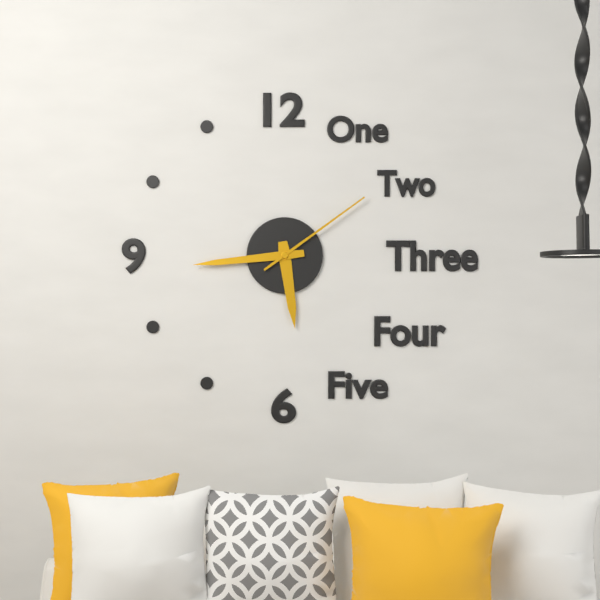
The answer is 5:44:09
